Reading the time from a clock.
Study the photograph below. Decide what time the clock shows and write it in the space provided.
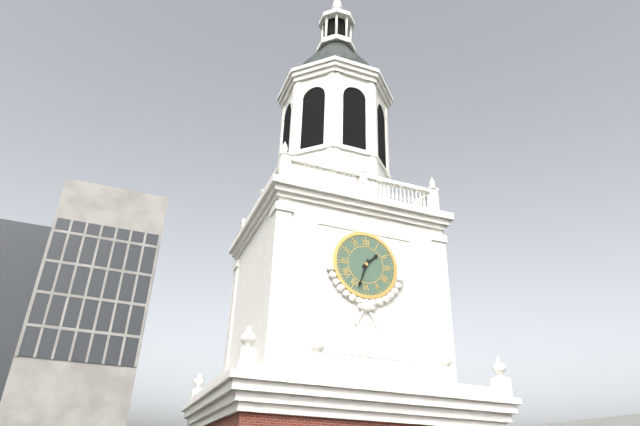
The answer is 1:33
